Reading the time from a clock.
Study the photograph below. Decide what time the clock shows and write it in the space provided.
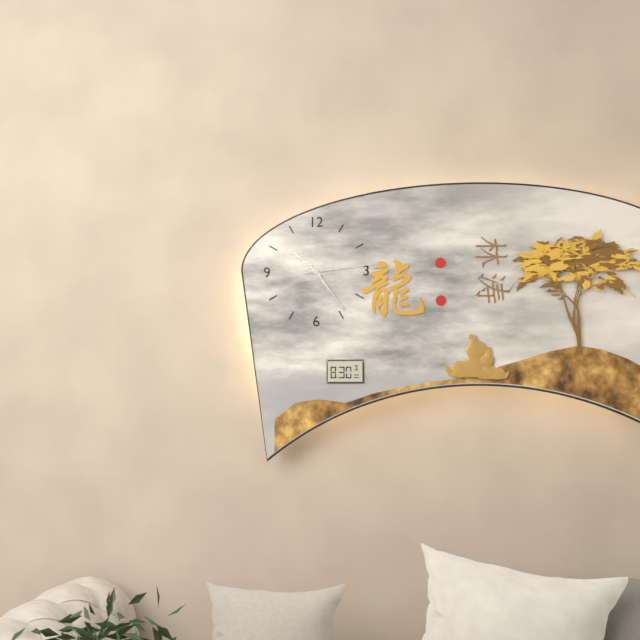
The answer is 10:24:14
